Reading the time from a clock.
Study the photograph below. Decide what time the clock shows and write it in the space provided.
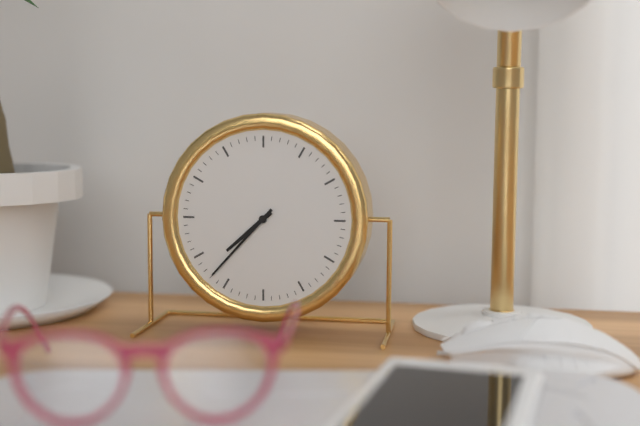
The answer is 7:37
